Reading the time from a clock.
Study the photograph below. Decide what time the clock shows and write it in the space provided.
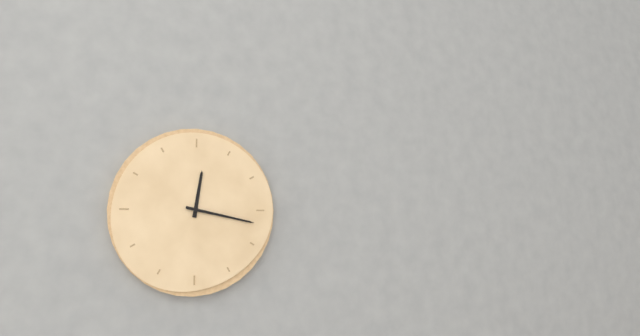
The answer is 12:17
